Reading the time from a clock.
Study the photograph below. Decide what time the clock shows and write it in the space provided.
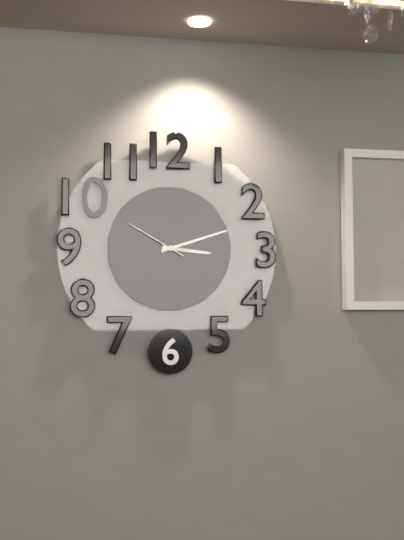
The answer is 3:12:50
